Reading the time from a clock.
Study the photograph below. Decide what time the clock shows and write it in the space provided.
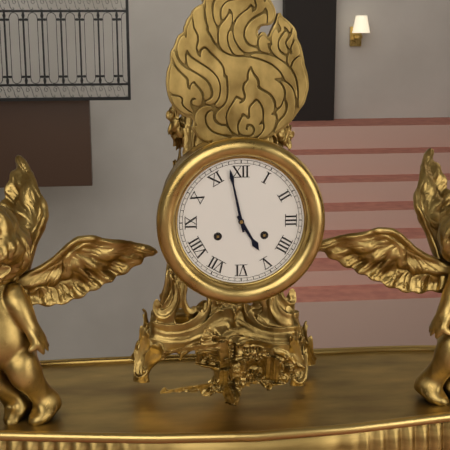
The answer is 4:58
